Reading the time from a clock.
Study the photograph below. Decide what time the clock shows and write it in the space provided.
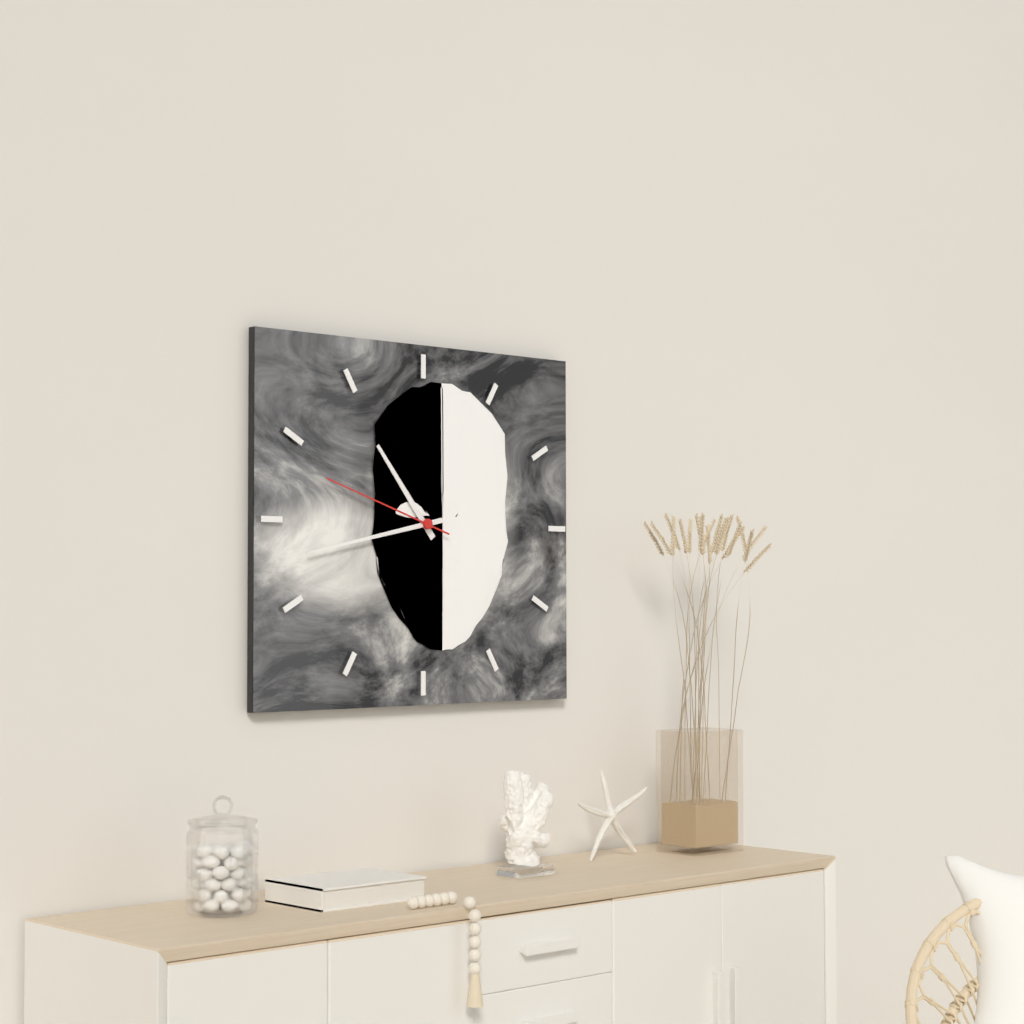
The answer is 10:43:48
